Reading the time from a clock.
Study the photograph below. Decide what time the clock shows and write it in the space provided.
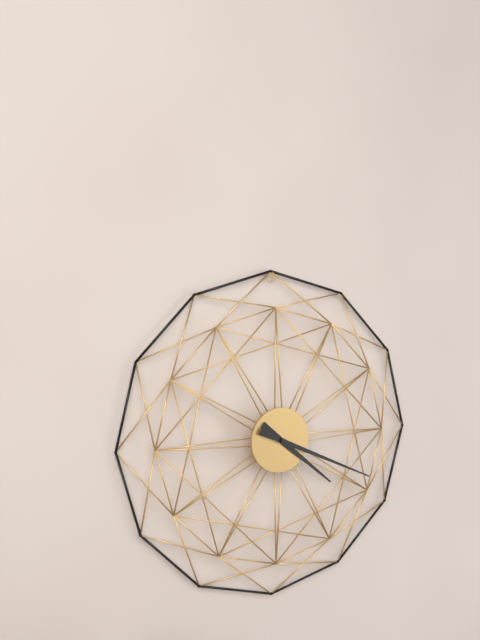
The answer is 4:19
